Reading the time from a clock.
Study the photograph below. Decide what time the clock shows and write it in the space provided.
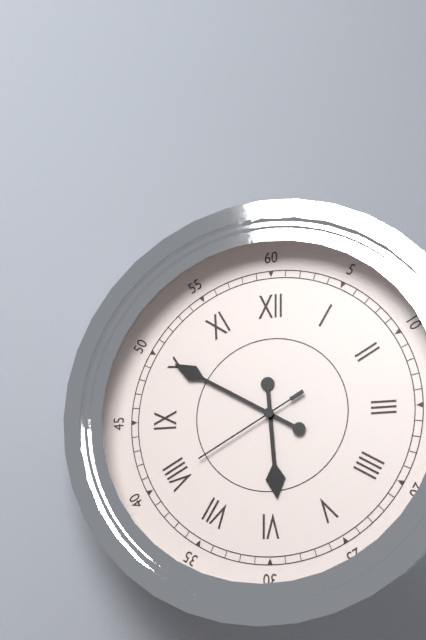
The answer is 5:50:40
